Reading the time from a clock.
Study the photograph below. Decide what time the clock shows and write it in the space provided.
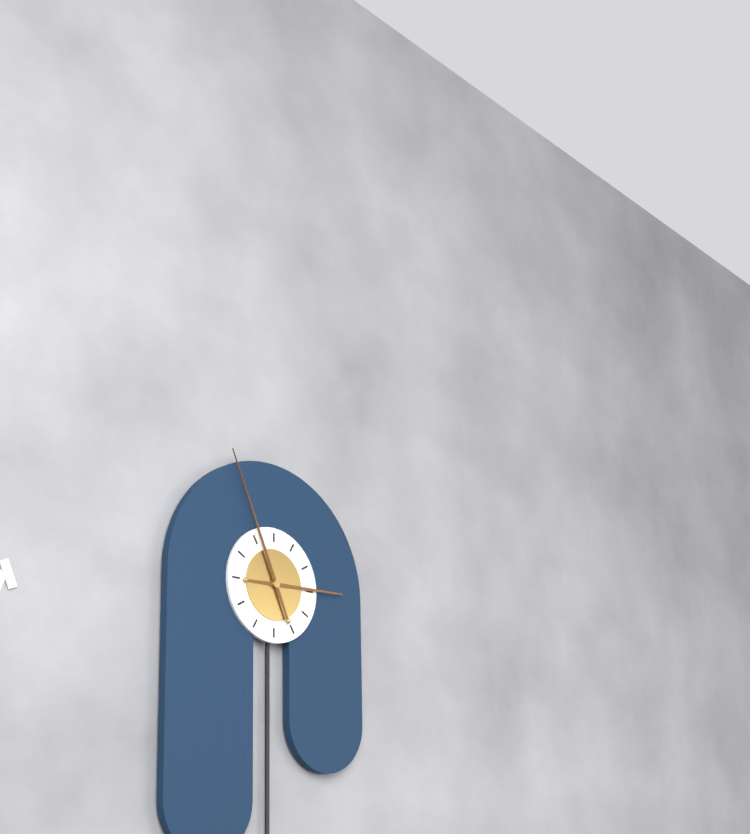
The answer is 2:56
